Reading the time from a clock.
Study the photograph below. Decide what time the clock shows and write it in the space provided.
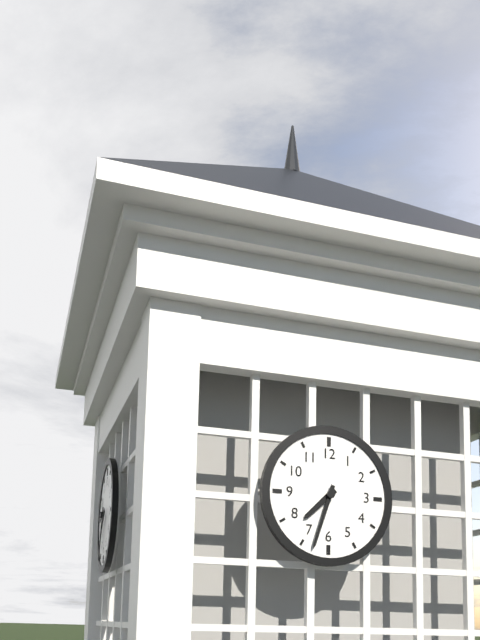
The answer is 7:33
